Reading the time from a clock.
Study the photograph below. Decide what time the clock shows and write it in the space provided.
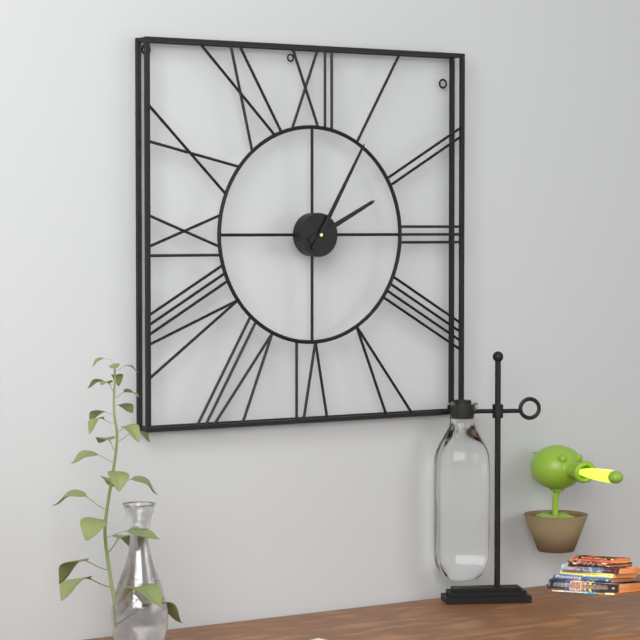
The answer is 2:05
